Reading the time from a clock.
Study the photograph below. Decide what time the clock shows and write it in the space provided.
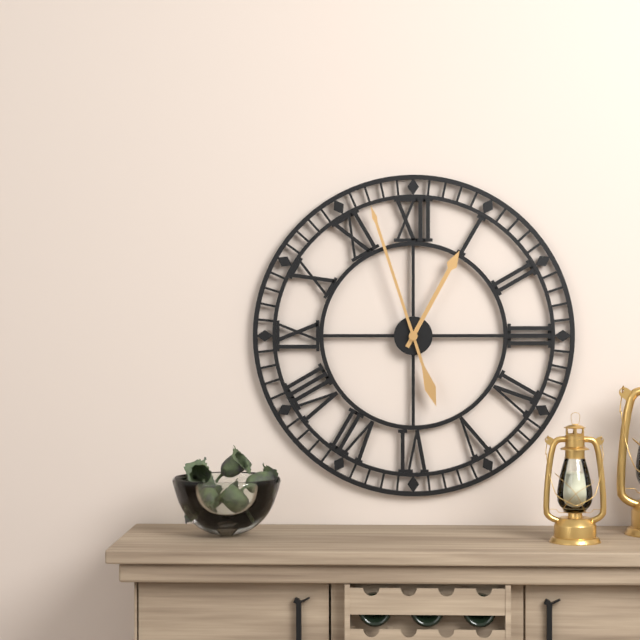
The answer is 12:57
